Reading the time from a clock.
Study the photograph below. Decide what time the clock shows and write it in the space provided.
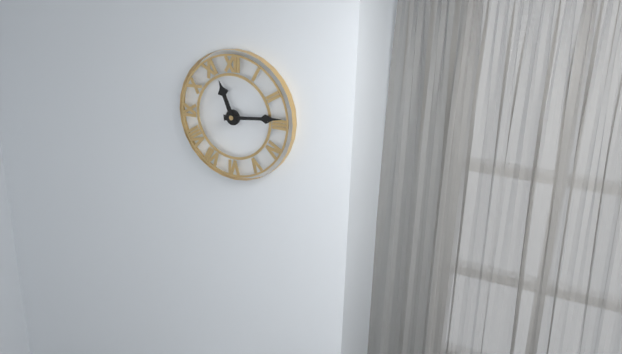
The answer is 11:14
